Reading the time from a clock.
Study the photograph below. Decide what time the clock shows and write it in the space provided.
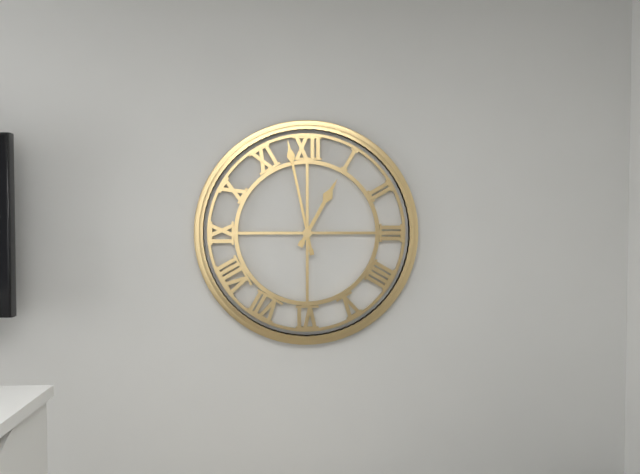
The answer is 12:58
